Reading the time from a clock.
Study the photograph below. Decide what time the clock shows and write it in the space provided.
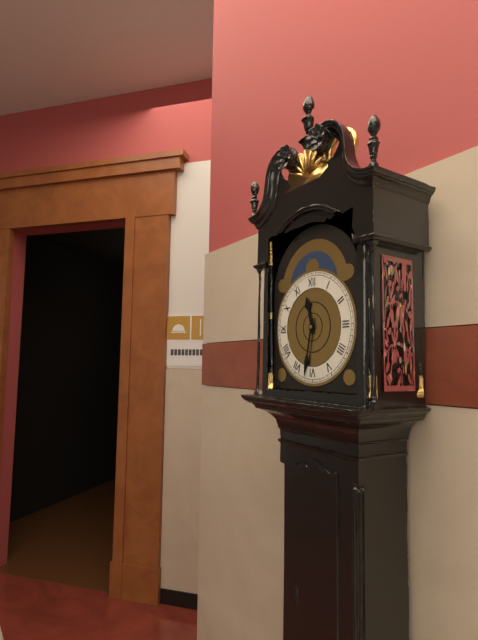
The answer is 11:32
